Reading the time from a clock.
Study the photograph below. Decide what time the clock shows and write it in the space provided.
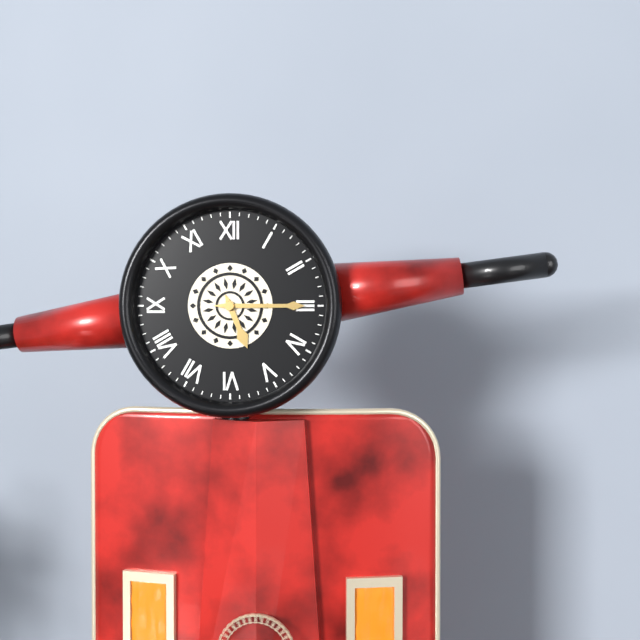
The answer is 5:15
